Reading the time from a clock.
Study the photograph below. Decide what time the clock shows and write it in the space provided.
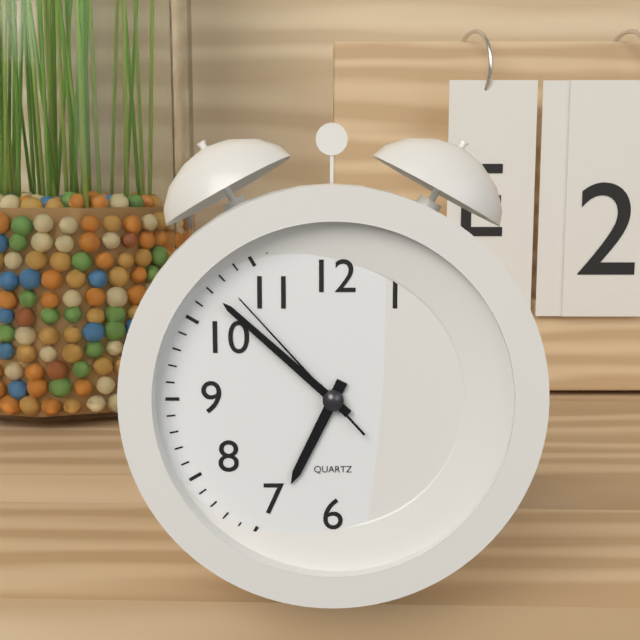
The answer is 6:52:53
